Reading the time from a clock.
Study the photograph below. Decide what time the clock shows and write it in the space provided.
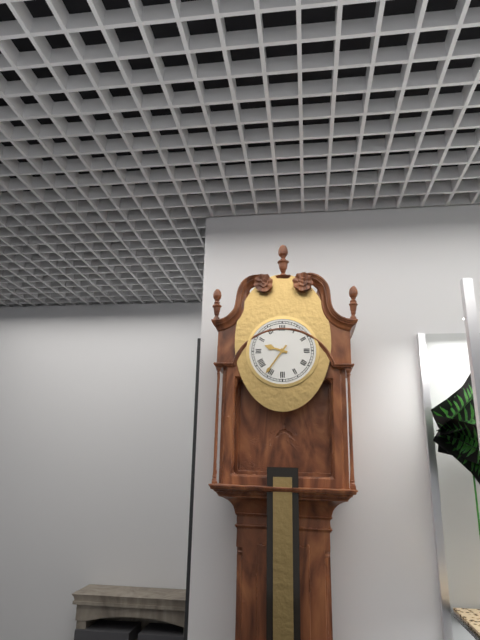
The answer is 9:36
